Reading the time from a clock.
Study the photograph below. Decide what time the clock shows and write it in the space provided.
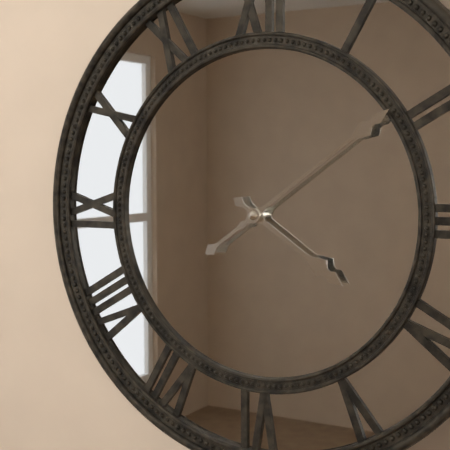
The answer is 4:09
